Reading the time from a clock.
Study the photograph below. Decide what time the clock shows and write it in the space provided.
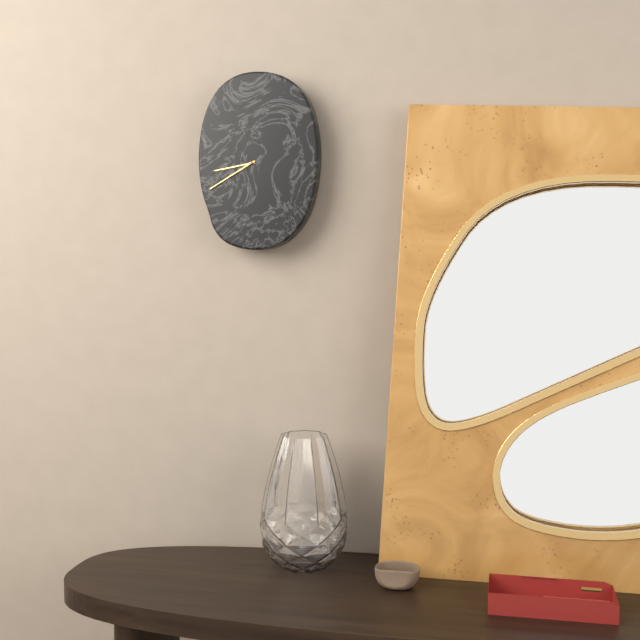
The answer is 8:40
